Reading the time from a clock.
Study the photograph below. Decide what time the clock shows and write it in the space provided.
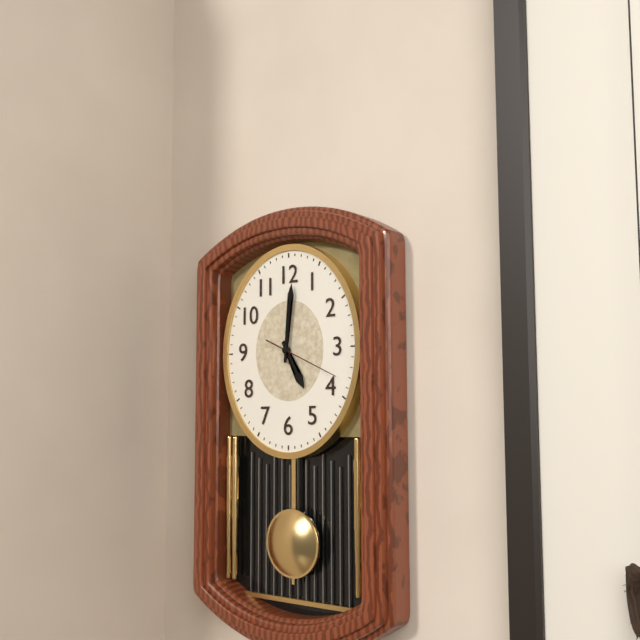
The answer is 5:01:19
